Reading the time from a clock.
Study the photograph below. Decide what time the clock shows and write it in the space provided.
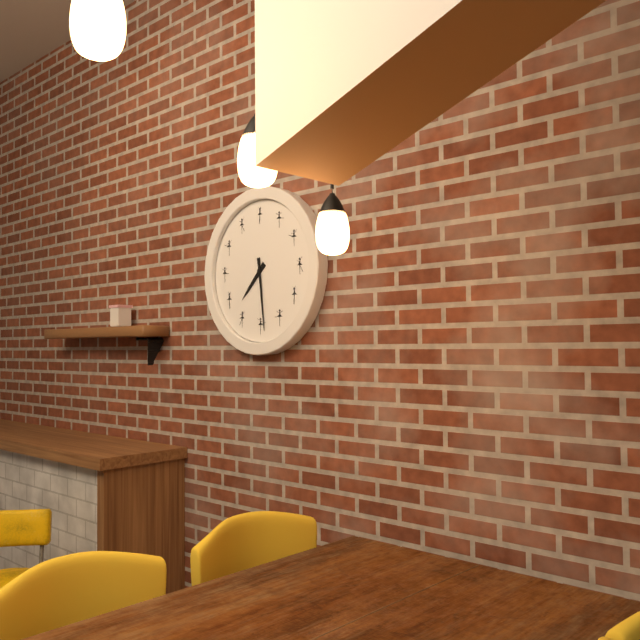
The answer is 7:29
